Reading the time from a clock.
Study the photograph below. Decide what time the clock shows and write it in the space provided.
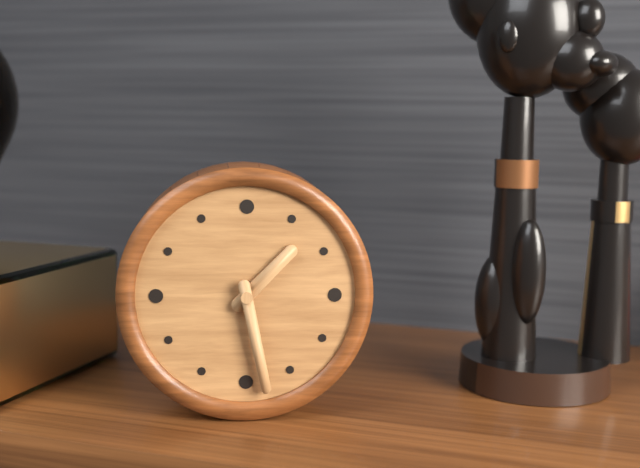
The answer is 1:28
